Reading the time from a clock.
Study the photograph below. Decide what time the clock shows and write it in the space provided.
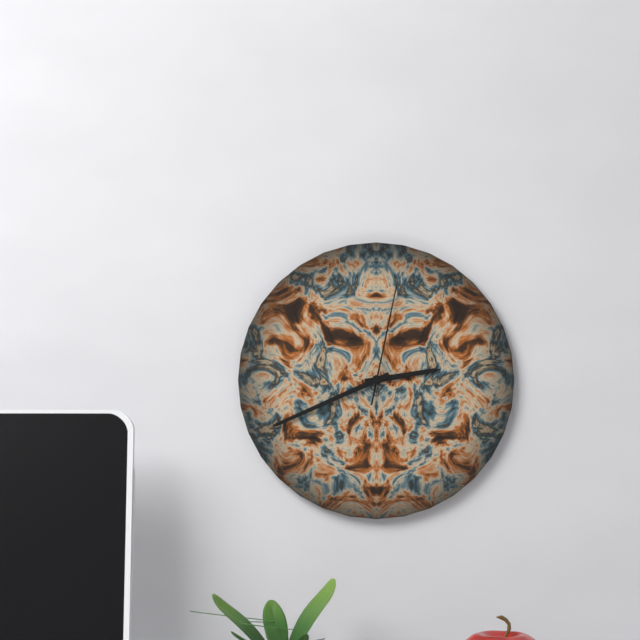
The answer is 2:41:02
